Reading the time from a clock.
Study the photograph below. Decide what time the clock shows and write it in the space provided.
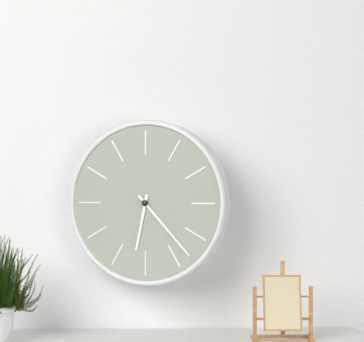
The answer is 6:23
